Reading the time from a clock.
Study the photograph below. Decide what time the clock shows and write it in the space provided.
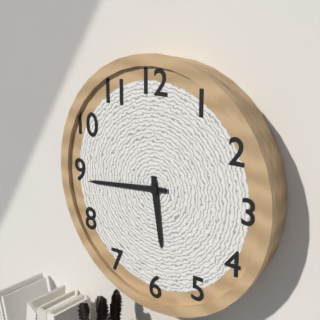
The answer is 5:44
